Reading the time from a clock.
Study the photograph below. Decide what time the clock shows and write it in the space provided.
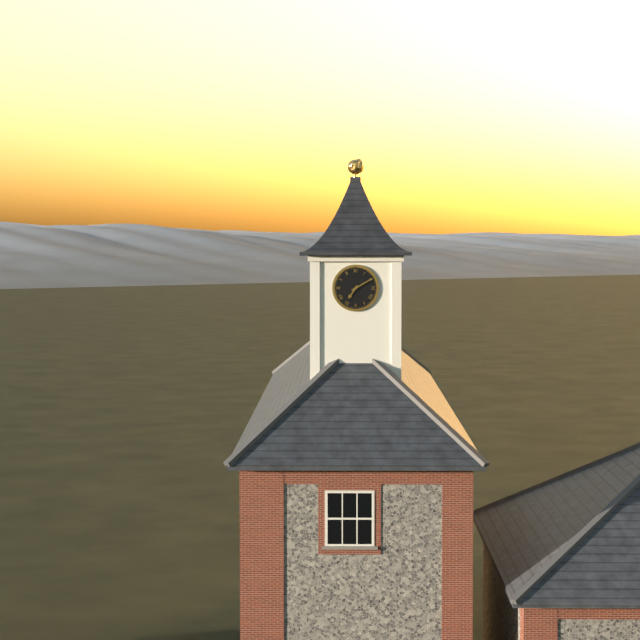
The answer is 7:10
